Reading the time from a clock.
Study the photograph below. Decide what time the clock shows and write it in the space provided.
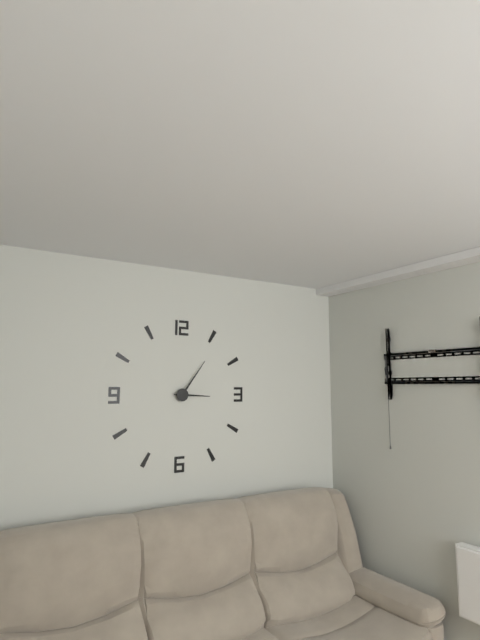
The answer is 3:06
